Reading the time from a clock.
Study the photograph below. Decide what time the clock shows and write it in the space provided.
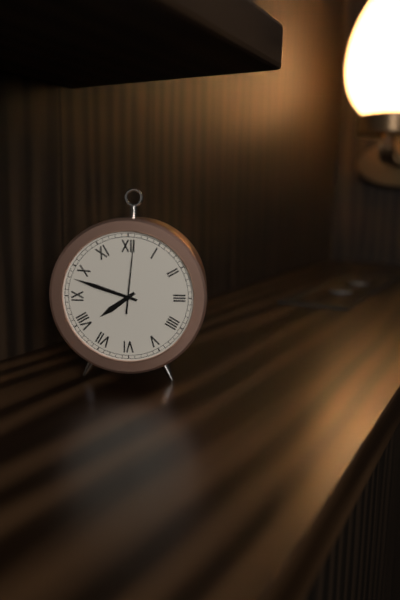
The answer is 7:48:01
